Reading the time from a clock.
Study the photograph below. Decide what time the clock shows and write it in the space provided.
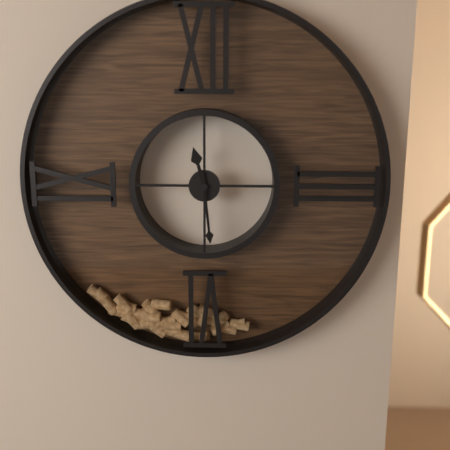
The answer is 11:29
